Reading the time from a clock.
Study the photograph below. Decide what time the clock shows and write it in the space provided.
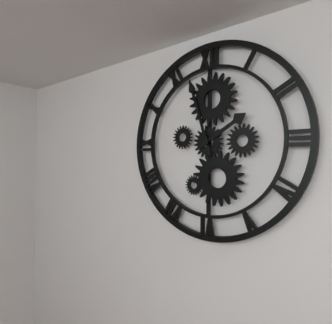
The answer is 1:57
